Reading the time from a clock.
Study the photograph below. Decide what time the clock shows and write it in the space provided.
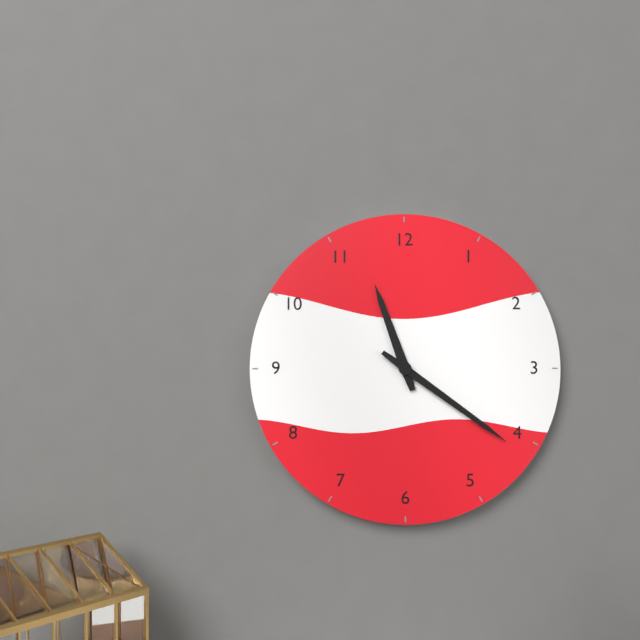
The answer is 11:21
